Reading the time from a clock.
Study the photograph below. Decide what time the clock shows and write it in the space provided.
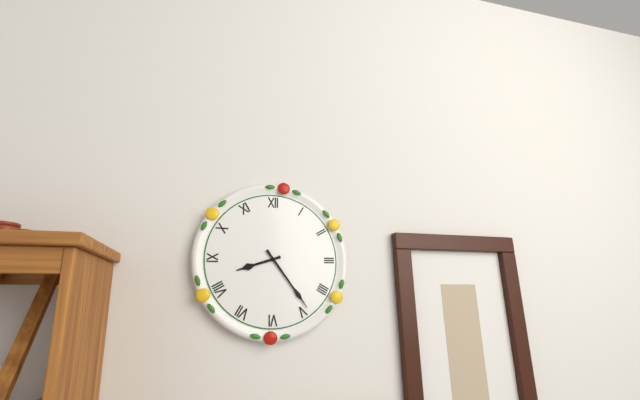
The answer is 8:24
